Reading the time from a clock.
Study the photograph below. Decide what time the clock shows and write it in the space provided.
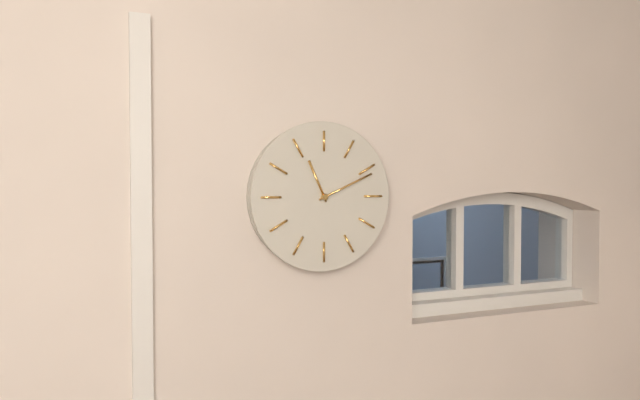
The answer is 11:11
